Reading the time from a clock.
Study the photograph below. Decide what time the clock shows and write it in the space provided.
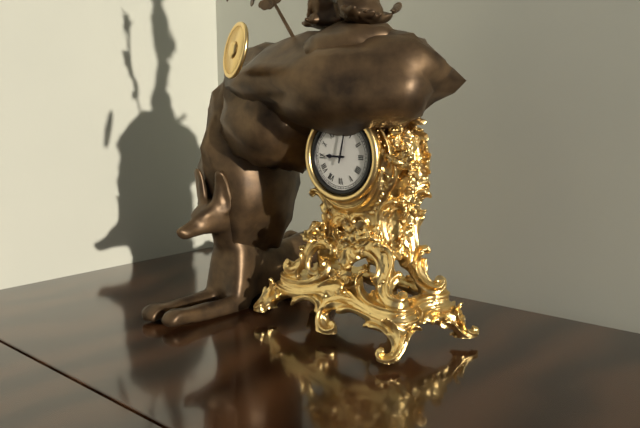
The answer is 9:02
